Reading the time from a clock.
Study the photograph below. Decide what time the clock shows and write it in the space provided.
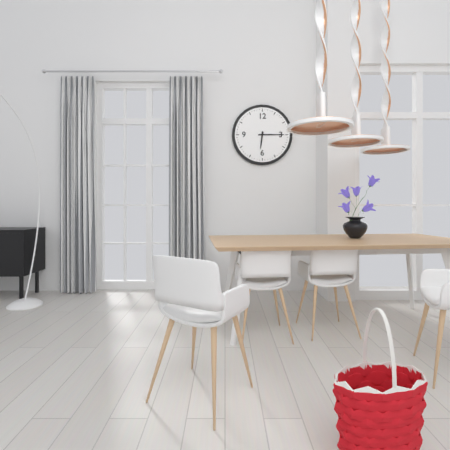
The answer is 6:15
